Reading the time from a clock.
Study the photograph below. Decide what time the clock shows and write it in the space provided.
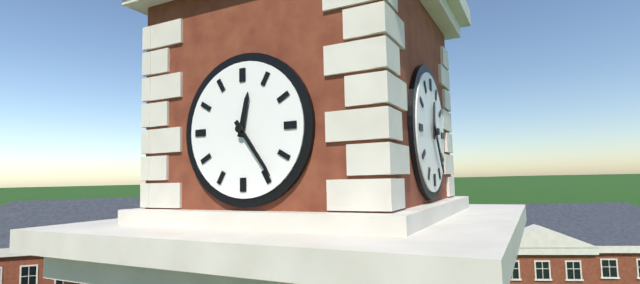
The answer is 12:24
